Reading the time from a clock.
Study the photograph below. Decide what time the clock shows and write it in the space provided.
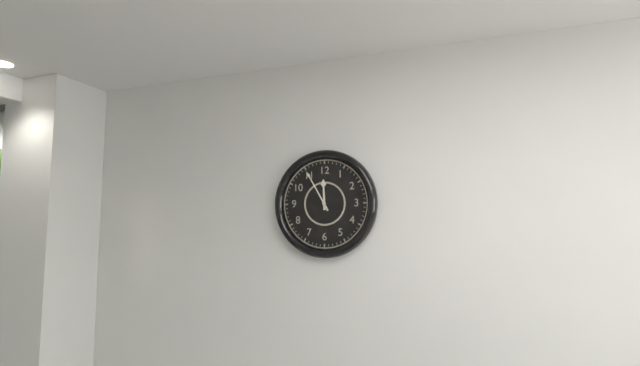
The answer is 11:55
